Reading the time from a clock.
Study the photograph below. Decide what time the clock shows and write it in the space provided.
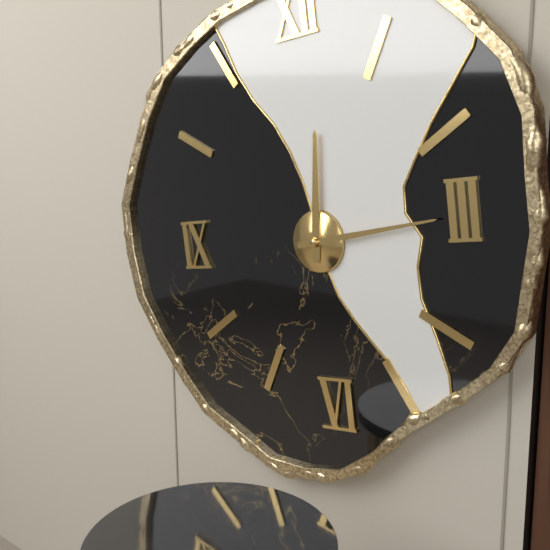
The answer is 12:14
